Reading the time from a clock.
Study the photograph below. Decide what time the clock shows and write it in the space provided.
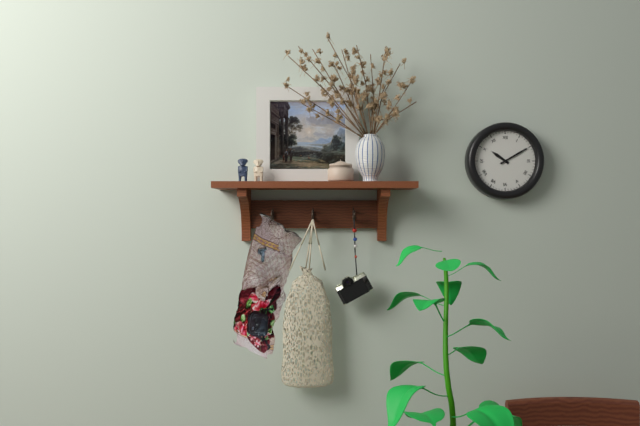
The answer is 10:10
